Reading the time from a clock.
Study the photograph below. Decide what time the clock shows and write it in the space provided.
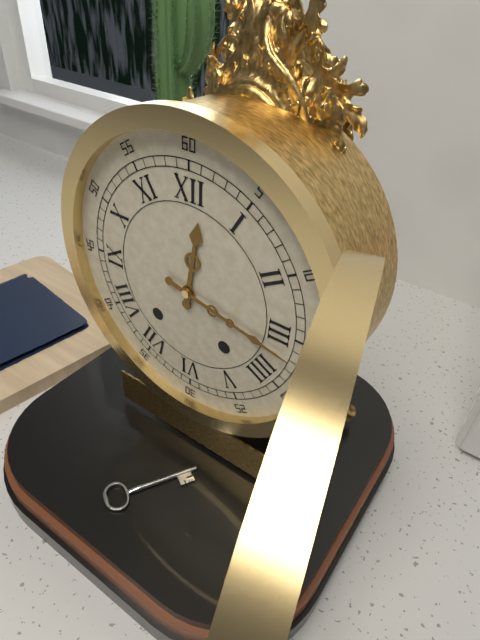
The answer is 12:17
